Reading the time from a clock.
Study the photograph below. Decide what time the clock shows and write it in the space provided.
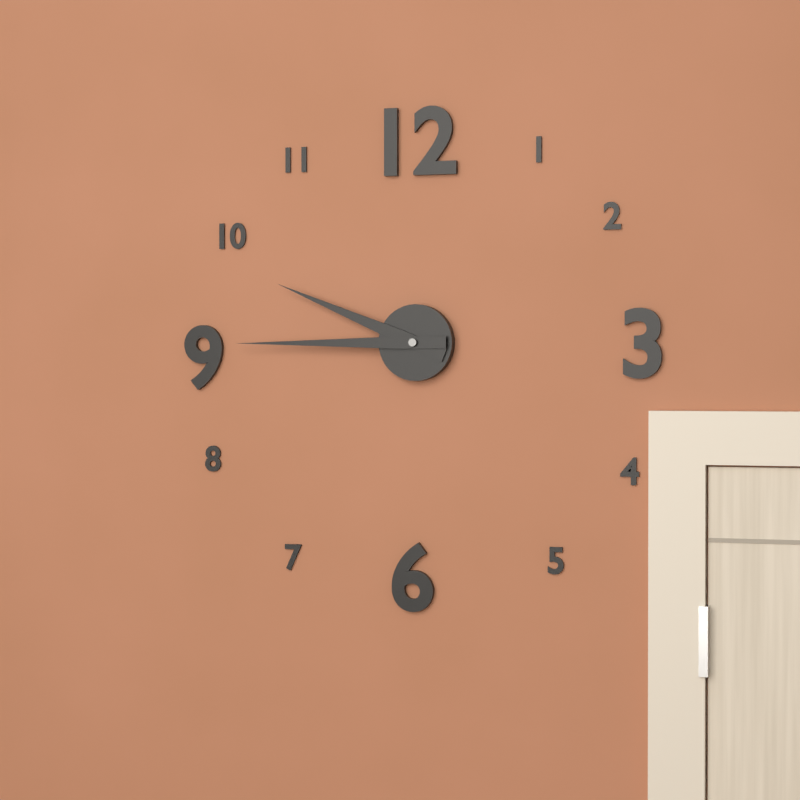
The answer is 9:45
